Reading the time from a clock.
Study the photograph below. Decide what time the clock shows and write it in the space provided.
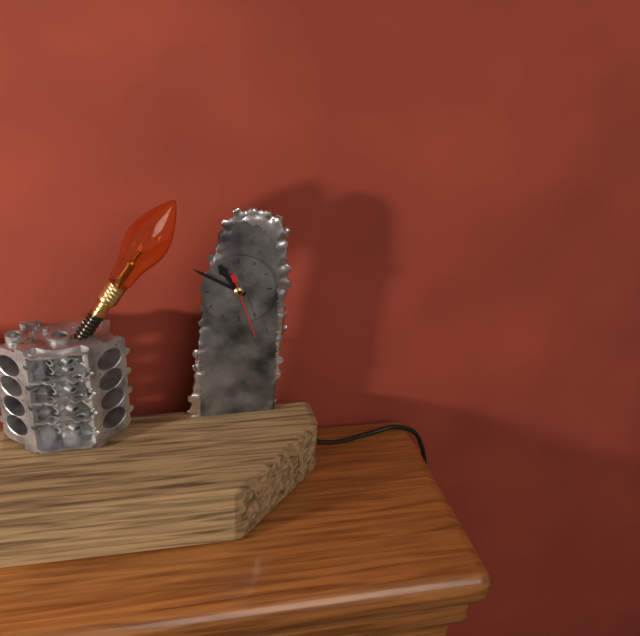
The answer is 10:50:27
